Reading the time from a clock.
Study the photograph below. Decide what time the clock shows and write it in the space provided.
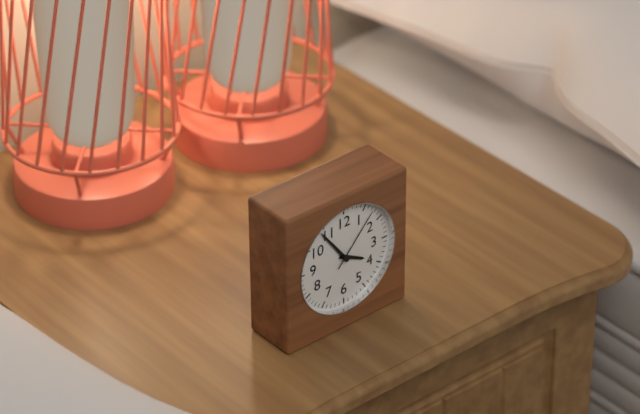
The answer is 3:54:07
